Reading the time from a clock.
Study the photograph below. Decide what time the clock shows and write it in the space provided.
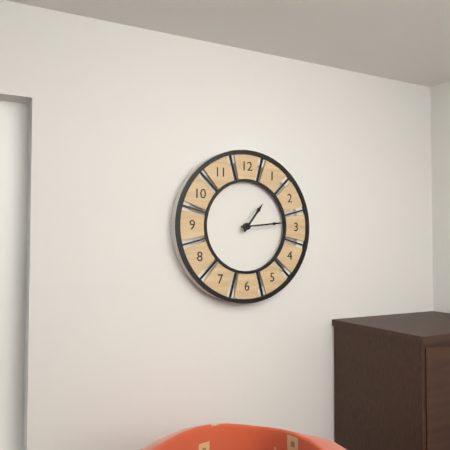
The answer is 1:14
